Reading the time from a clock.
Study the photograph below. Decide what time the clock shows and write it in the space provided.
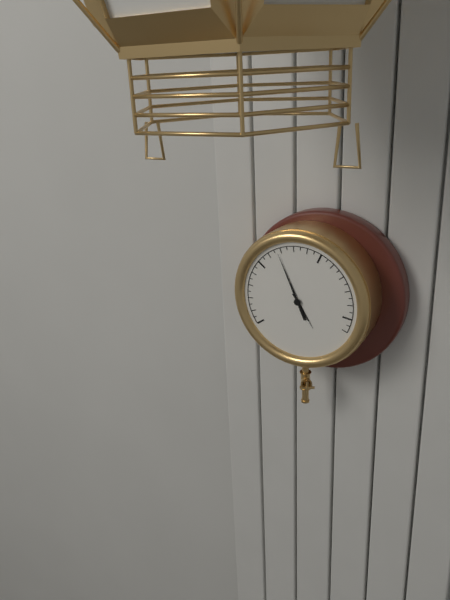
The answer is 4:56
